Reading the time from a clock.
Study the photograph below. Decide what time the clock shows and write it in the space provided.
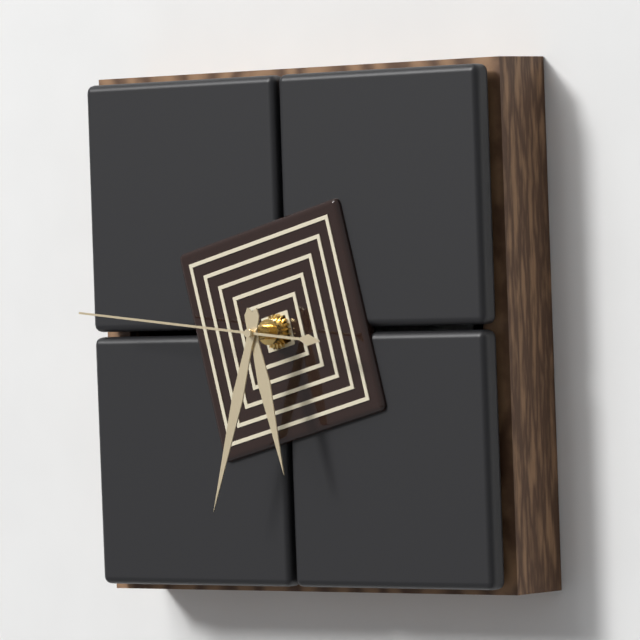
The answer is 5:33:46
